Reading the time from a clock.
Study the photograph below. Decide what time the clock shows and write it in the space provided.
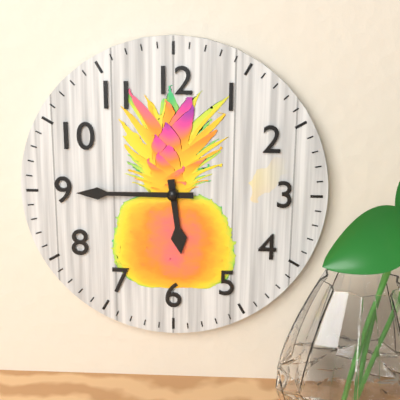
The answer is 5:45
